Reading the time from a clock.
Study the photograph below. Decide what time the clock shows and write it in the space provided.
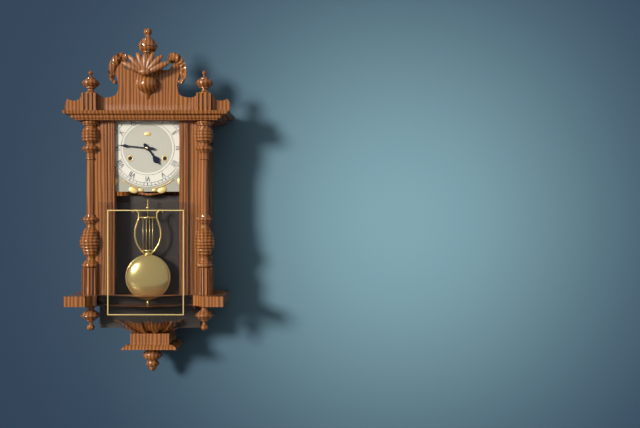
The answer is 4:46
